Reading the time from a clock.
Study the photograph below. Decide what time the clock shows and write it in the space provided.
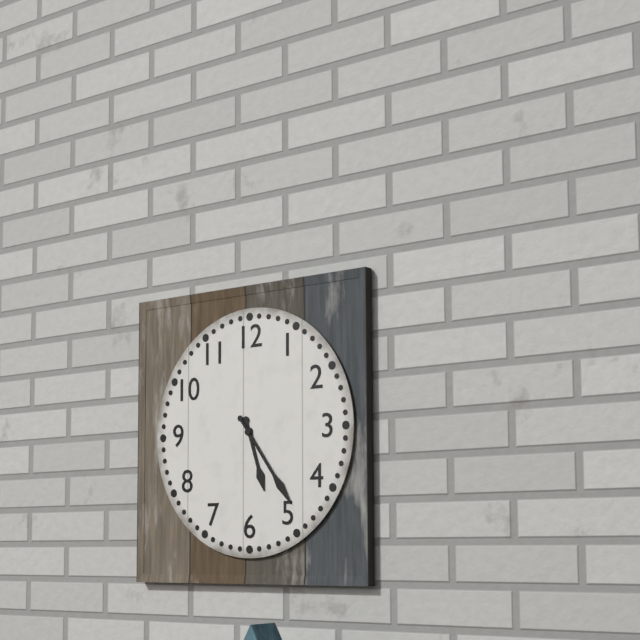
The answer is 5:24
